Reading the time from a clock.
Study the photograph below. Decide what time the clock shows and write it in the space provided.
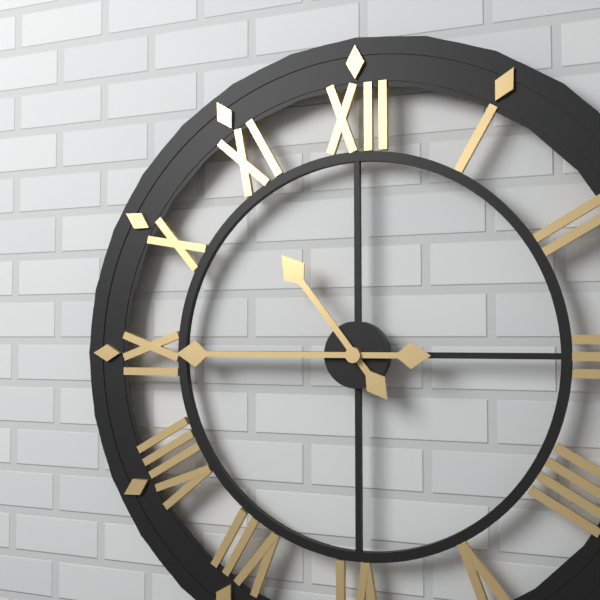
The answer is 10:45
